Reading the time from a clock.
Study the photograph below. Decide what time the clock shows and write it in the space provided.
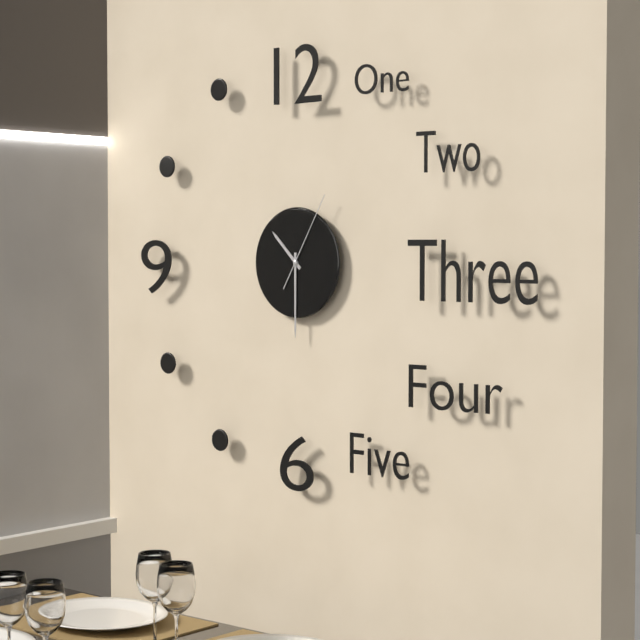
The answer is 10:30:05
